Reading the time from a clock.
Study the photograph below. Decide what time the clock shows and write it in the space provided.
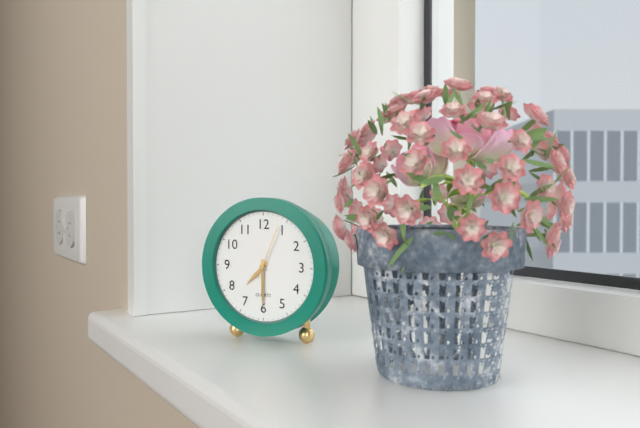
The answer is 7:30:04
